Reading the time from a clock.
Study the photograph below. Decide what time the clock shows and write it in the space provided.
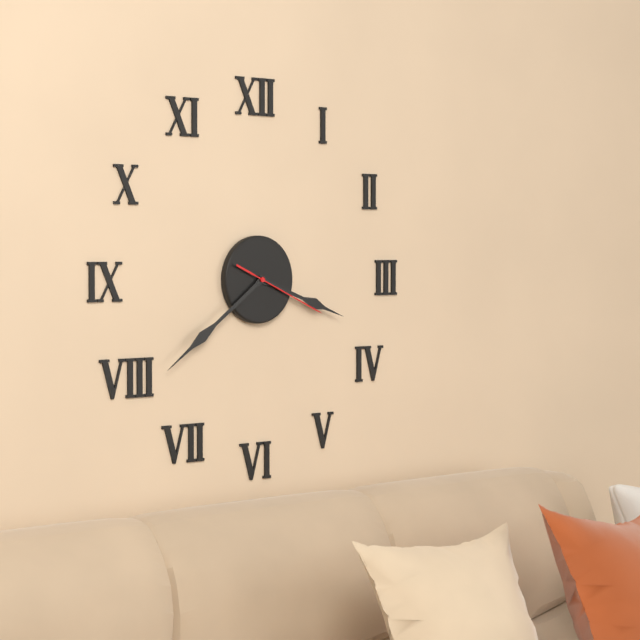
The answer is 3:39:19
